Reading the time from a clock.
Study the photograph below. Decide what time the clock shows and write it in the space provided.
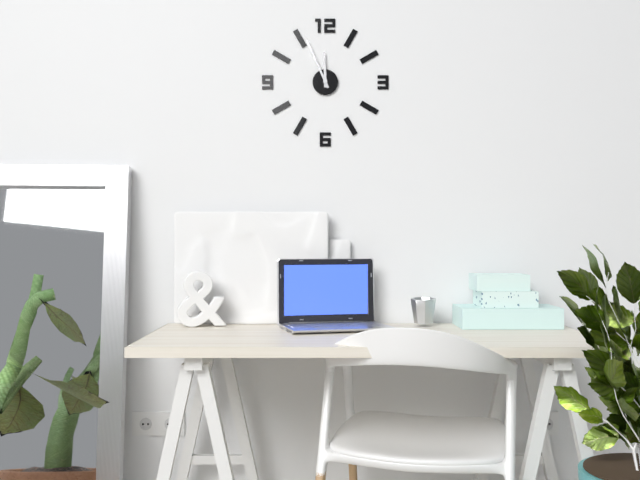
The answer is 11:56
